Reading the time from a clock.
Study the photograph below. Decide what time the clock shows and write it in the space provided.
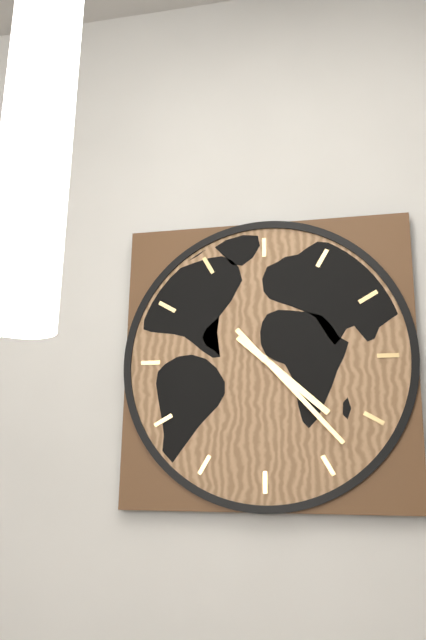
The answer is 4:23
